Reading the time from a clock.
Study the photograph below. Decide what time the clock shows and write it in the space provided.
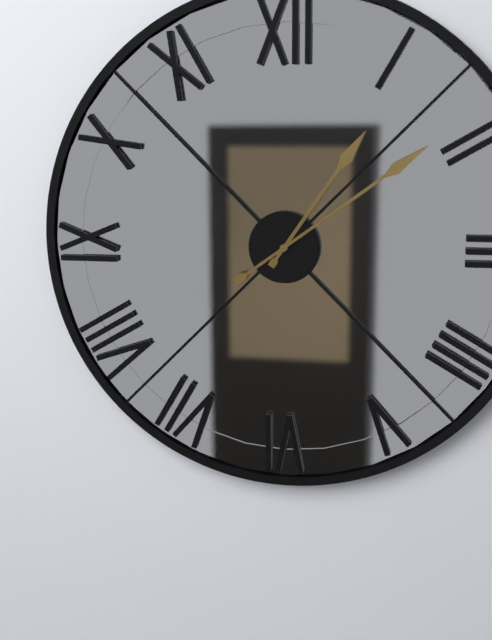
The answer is 1:09
